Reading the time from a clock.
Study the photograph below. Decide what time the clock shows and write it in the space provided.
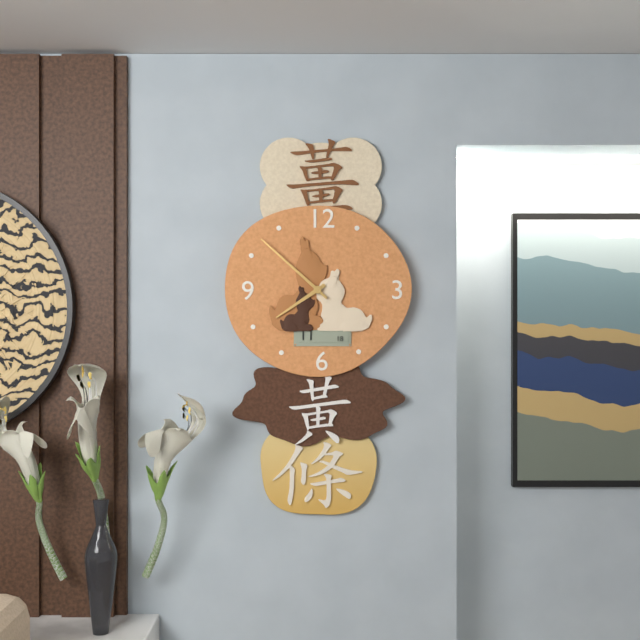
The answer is 7:52
